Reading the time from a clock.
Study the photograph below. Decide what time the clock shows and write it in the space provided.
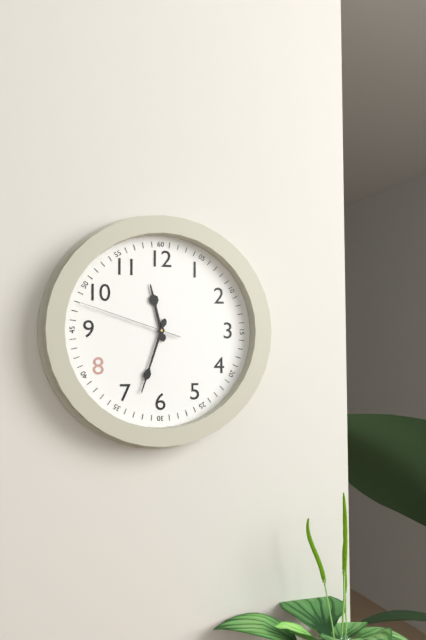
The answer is 11:33:48
